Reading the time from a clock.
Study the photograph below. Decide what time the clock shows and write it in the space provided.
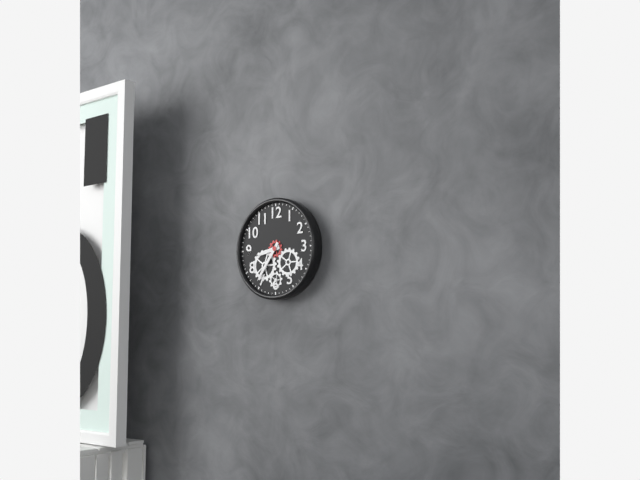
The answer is 8:36
